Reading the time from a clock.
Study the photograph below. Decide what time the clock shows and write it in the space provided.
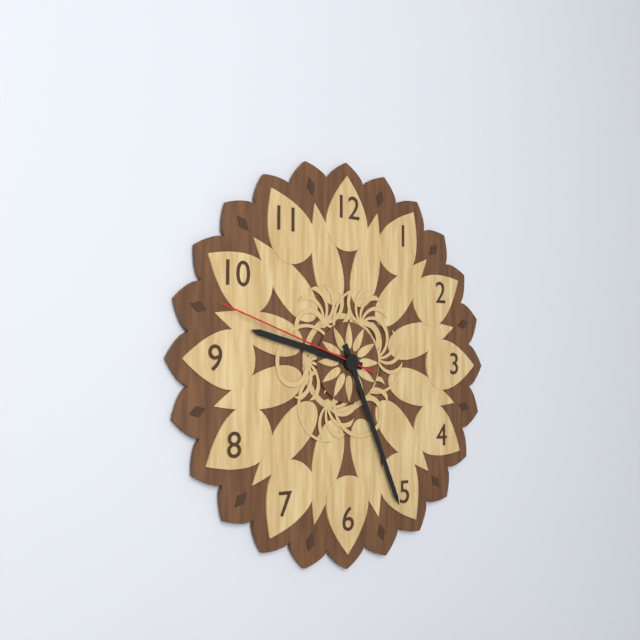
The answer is 9:26:48
